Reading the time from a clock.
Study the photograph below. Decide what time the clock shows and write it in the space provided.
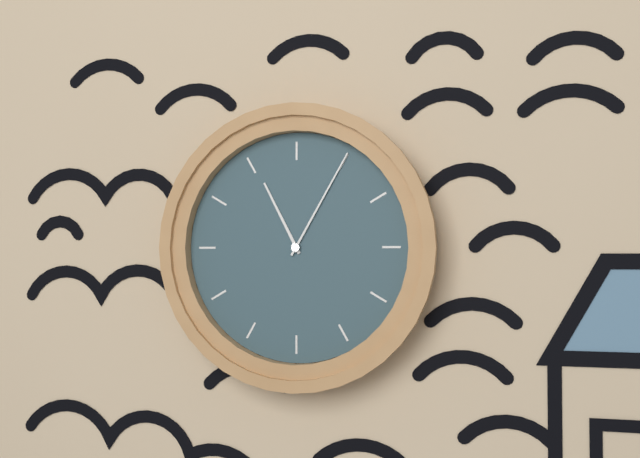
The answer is 11:05
